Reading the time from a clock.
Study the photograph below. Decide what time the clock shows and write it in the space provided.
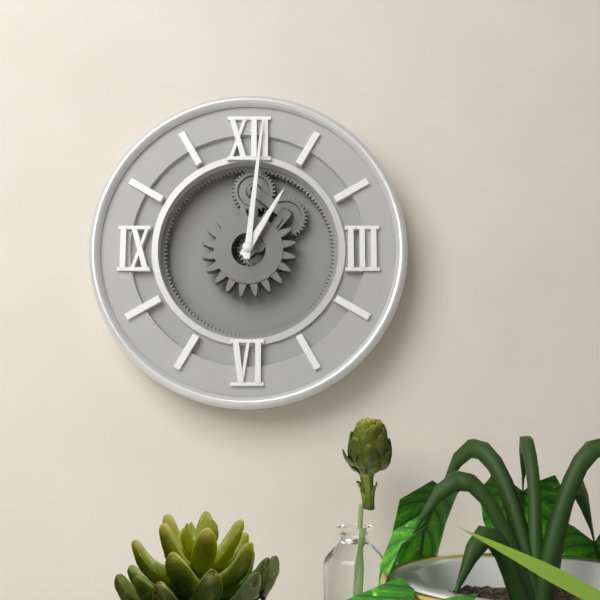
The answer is 1:01
